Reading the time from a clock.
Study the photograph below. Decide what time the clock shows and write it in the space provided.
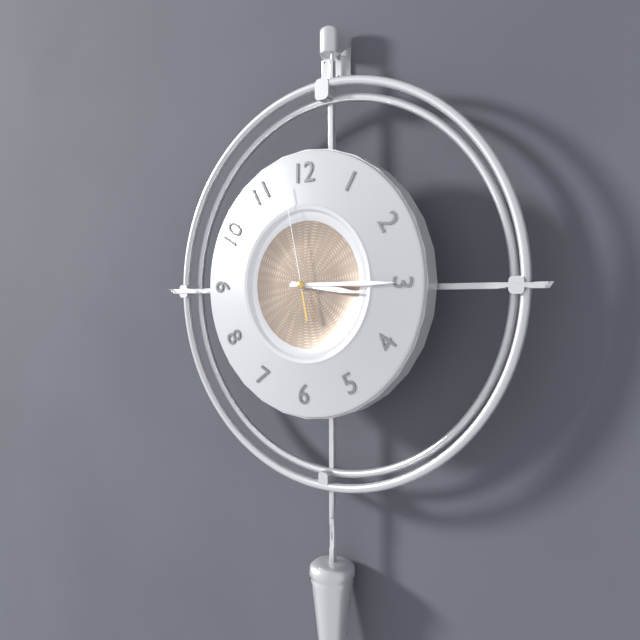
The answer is 3:15:58
